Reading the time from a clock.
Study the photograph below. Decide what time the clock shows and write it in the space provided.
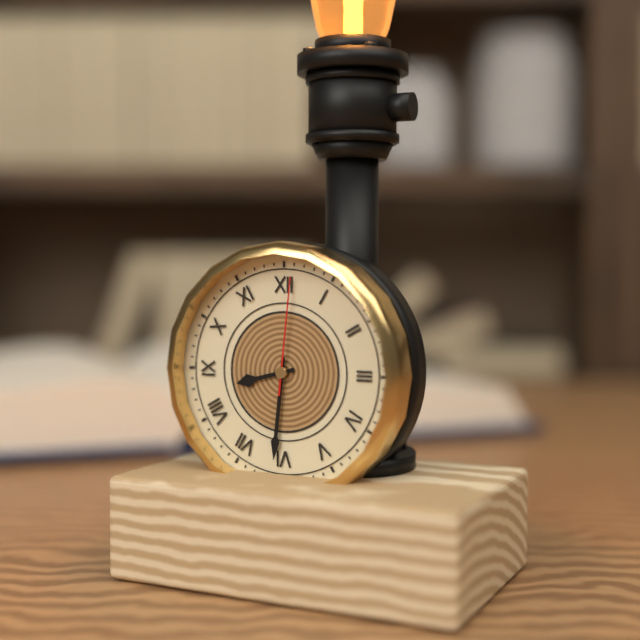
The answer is 8:31:01
